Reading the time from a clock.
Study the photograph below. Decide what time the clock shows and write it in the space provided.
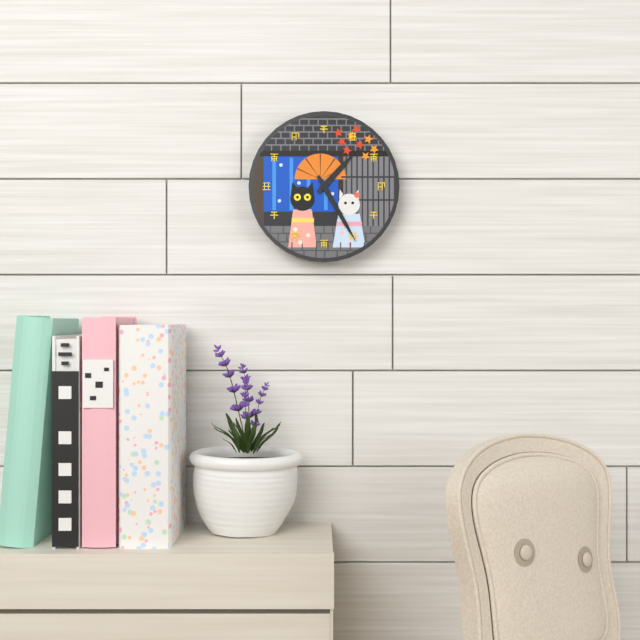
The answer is 1:25
